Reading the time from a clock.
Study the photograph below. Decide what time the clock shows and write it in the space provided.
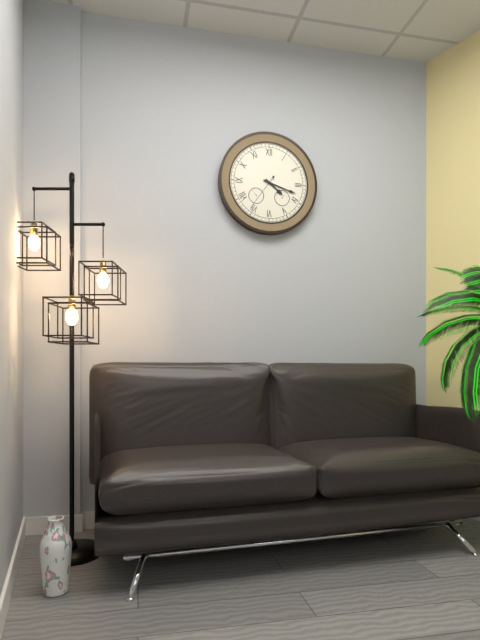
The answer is 4:18
